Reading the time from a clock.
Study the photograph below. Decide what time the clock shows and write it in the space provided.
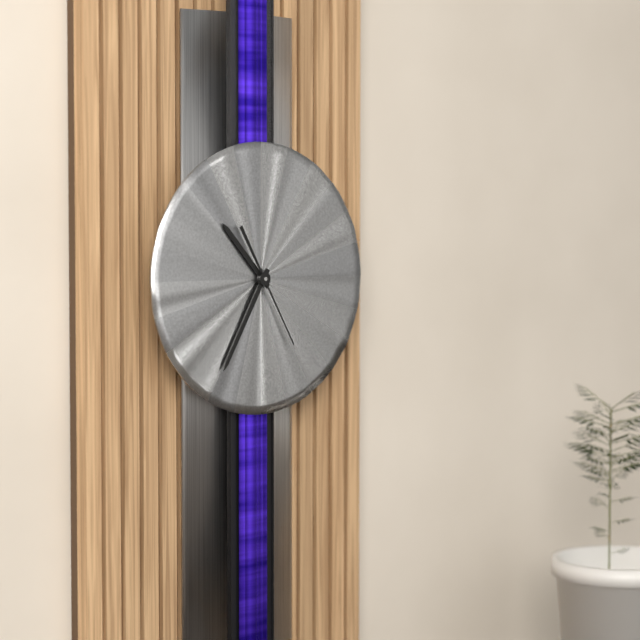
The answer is 10:35:25
